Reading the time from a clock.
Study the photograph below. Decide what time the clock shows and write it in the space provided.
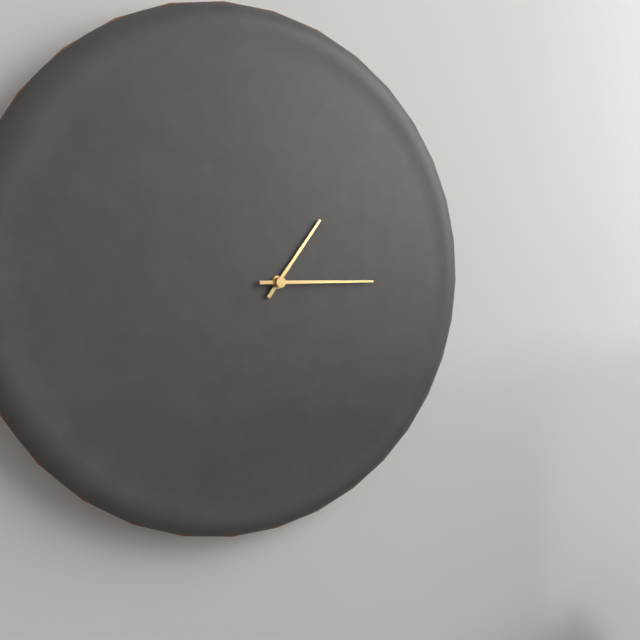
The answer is 1:15
